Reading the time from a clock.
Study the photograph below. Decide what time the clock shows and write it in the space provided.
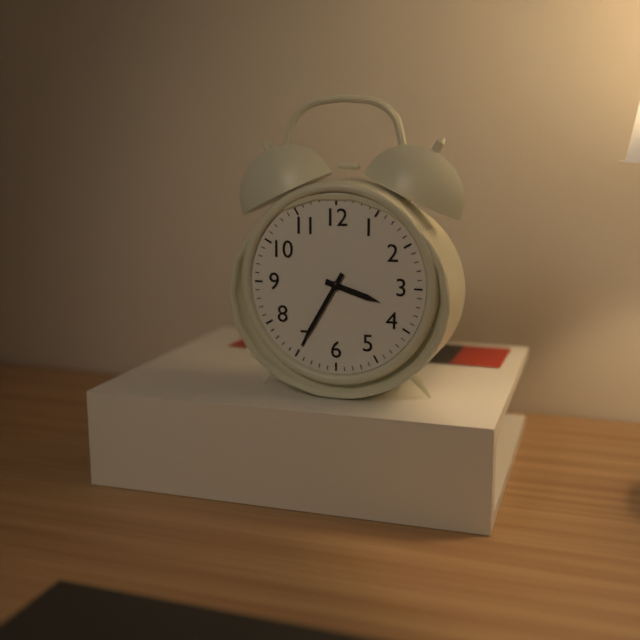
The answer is 3:35
